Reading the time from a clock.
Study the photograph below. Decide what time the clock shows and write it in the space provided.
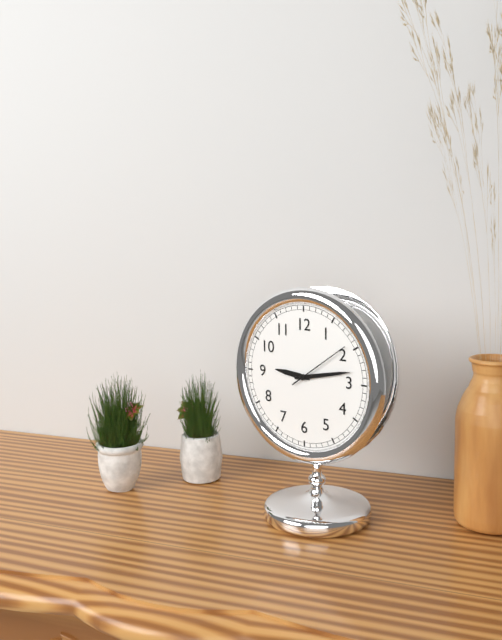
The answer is 9:13:09
